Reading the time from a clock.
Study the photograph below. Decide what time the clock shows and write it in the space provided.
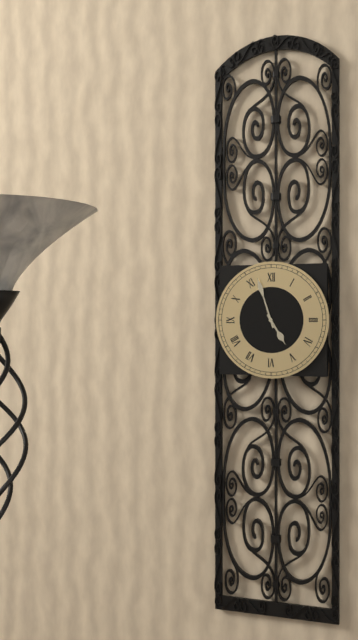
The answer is 4:57
